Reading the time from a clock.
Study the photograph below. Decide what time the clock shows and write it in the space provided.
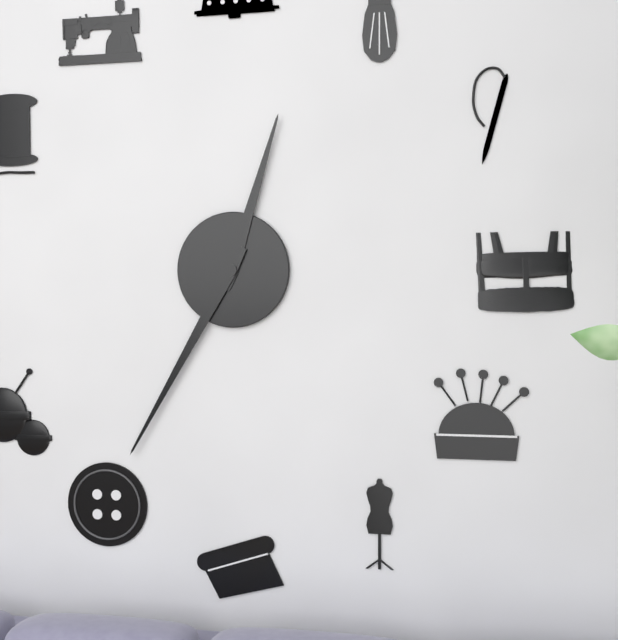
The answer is 12:35
